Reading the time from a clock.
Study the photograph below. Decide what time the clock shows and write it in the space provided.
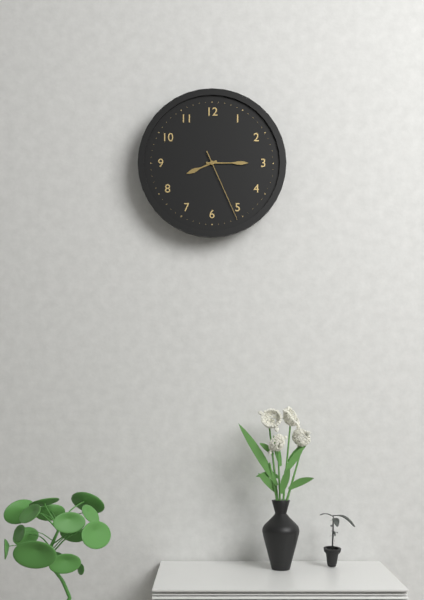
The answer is 8:15:26
